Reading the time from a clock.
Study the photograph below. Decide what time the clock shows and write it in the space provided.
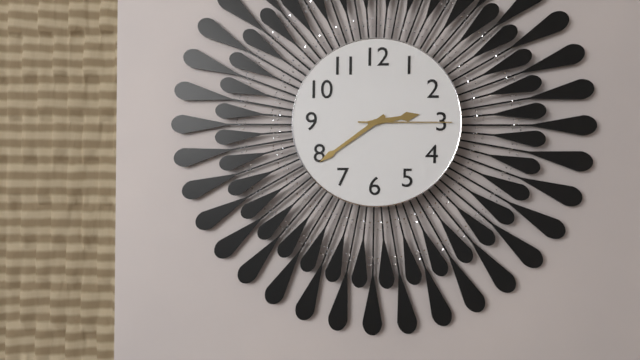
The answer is 2:39:15
